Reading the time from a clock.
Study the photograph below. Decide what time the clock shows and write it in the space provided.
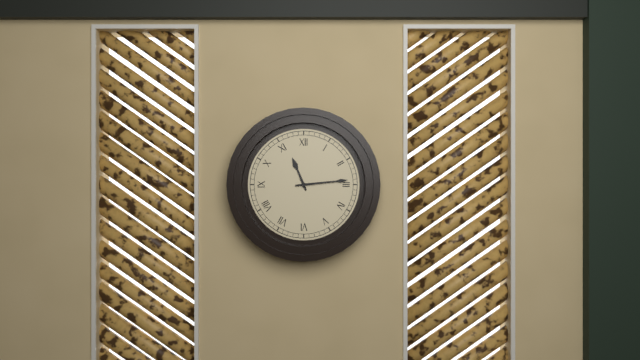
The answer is 11:14
